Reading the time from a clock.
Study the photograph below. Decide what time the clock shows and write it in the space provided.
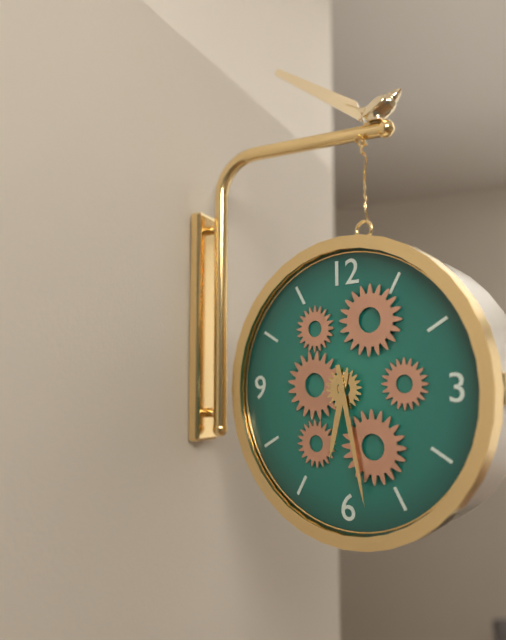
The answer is 6:28
